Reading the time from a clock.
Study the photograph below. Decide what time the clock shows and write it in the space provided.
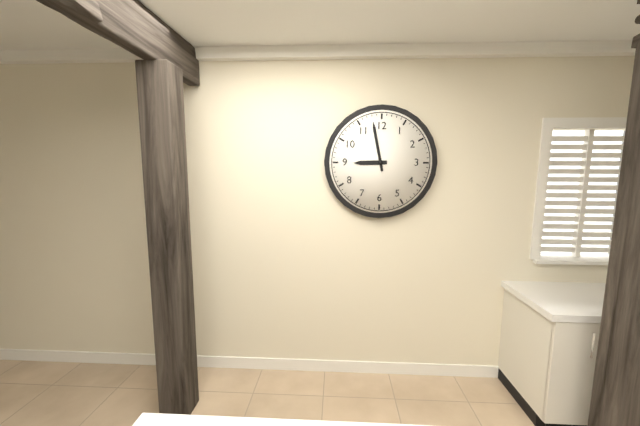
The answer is 8:58
